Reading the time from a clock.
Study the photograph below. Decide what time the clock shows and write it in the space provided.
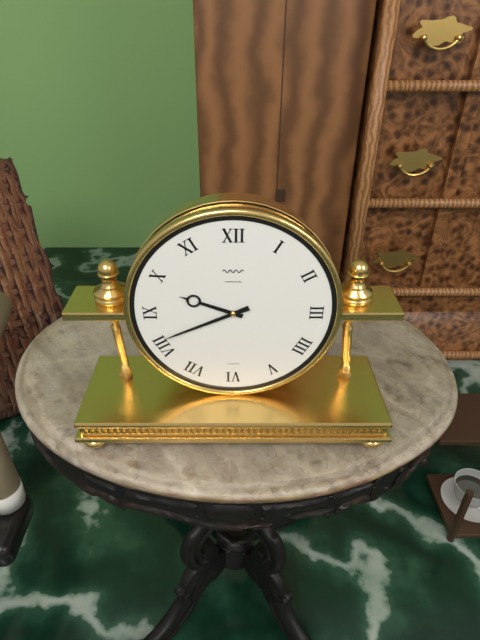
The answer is 9:41
